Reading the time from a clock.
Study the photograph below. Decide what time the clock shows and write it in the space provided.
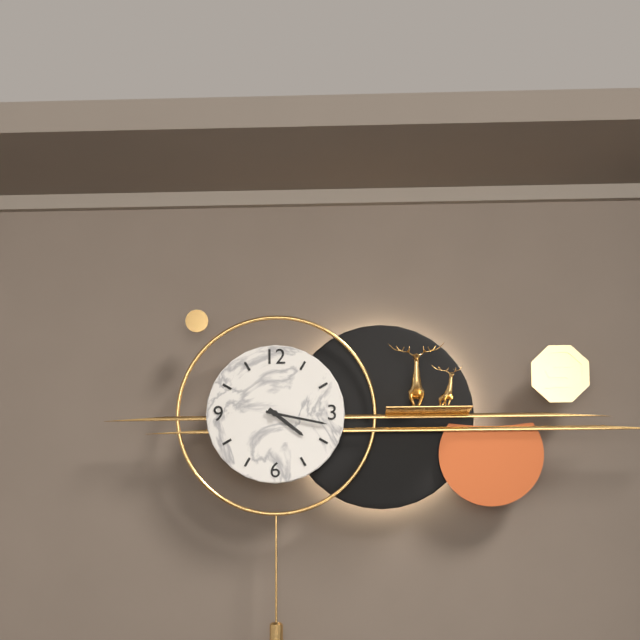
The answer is 4:17
